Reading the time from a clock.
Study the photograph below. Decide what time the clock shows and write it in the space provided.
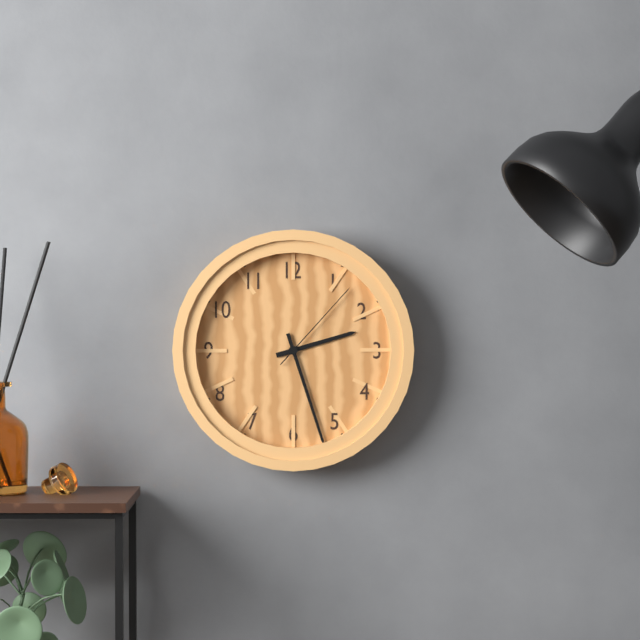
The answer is 2:27:07
